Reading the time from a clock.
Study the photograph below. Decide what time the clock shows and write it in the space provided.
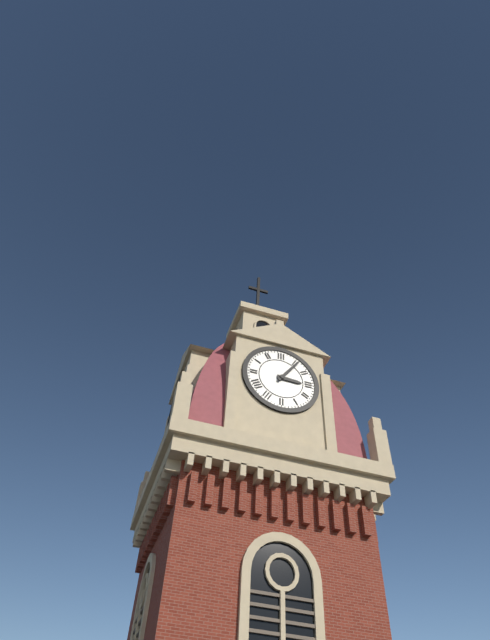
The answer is 3:06
